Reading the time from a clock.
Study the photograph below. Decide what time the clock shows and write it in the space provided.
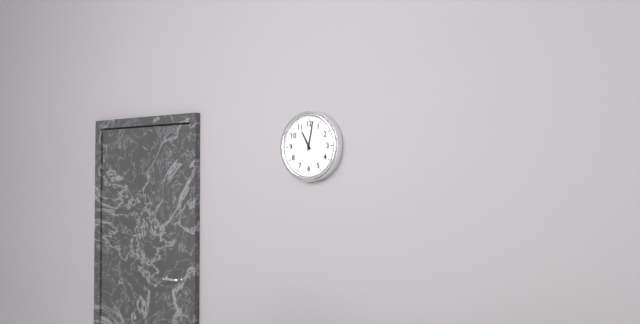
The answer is 11:02
